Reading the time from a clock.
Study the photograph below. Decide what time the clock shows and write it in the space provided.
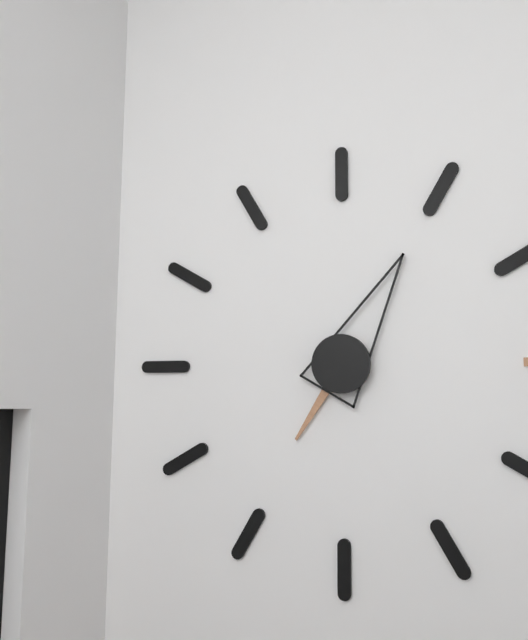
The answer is 7:05
